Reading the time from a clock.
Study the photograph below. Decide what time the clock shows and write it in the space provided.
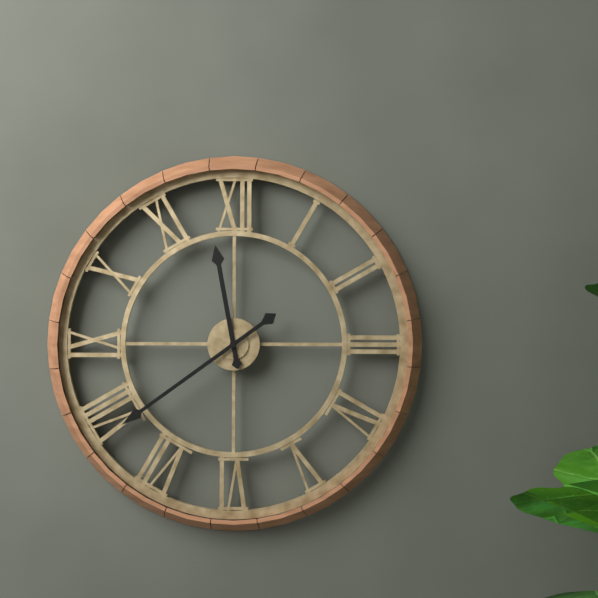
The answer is 11:39
